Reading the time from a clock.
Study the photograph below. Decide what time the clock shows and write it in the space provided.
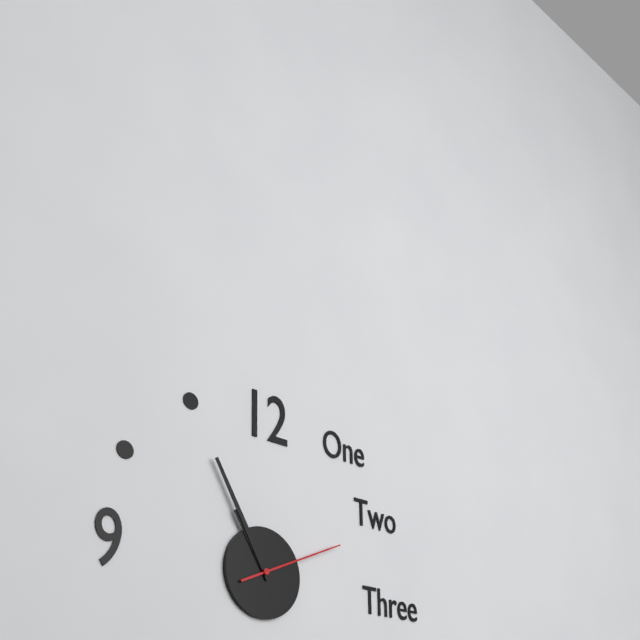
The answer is 10:55:11
